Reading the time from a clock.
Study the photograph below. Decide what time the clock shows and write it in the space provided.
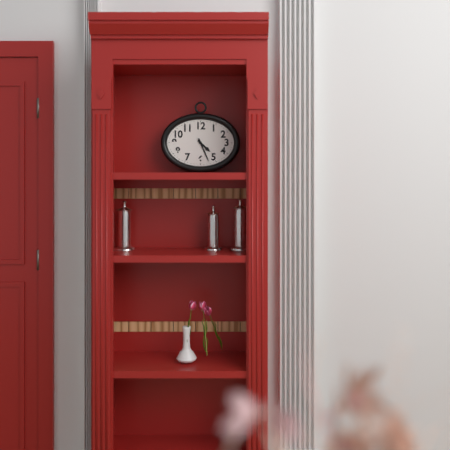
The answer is 4:26
